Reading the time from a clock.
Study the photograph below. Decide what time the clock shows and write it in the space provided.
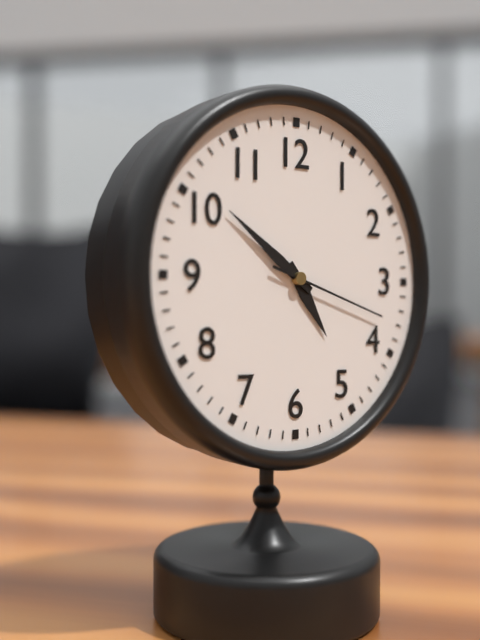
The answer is 4:51:18
